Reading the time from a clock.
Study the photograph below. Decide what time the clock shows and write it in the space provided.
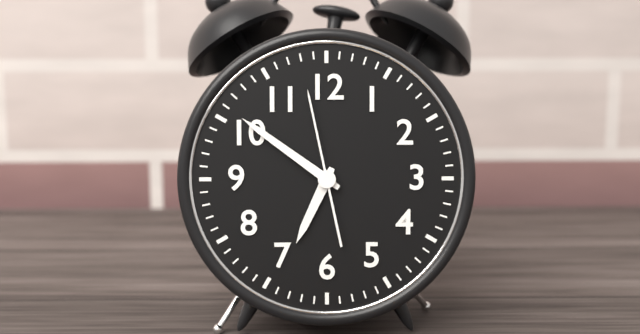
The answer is 6:51:58
